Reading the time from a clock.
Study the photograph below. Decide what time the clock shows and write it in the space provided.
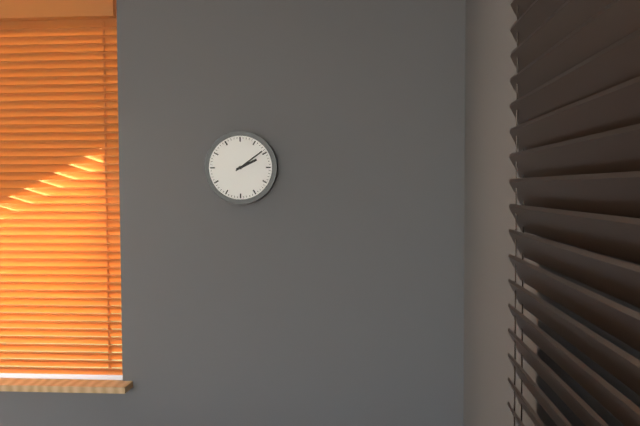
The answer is 2:09
